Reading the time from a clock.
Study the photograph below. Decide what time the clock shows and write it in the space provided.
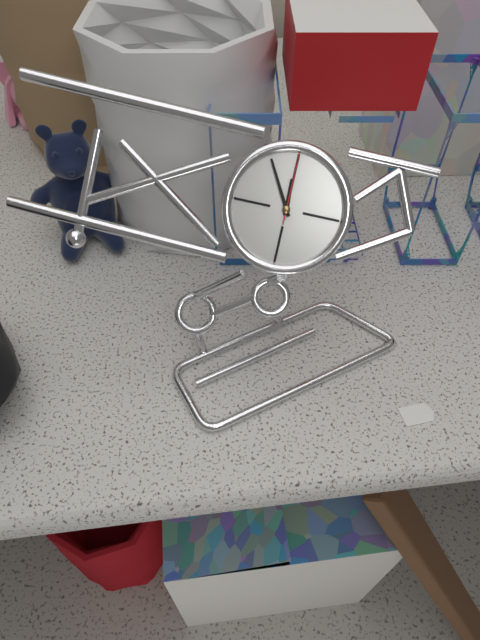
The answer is 11:55:00
